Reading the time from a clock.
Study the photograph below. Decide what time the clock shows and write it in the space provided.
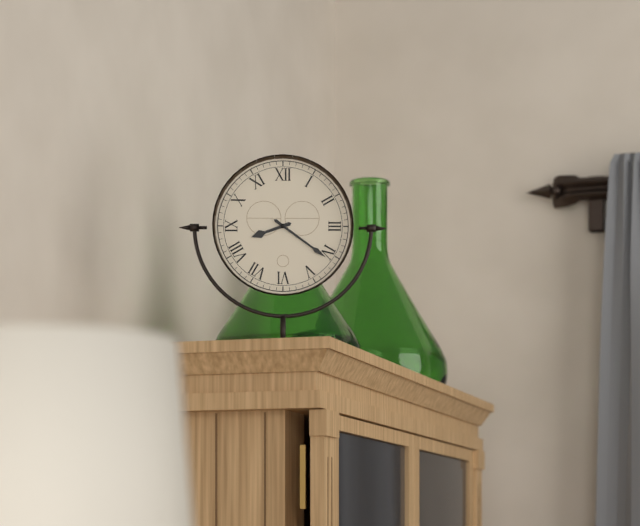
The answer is 8:21
